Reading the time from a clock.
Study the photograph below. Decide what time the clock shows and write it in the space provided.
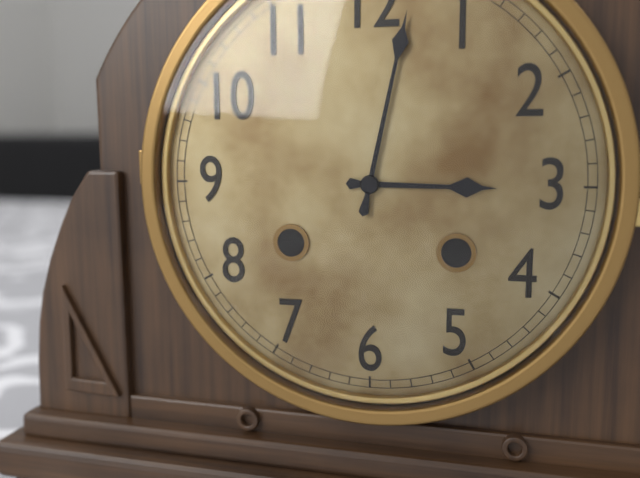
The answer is 3:02
